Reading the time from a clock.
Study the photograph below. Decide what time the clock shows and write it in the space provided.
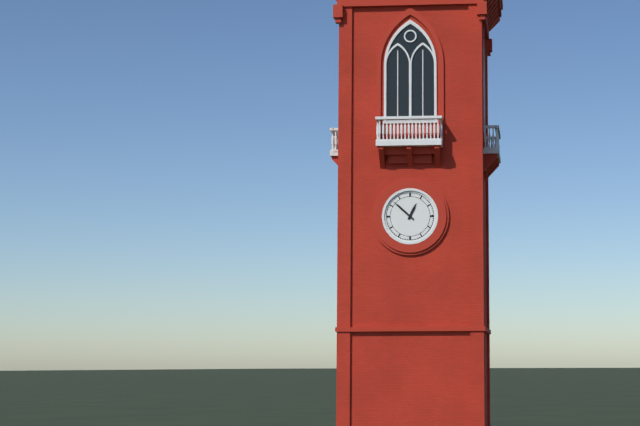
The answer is 12:52
